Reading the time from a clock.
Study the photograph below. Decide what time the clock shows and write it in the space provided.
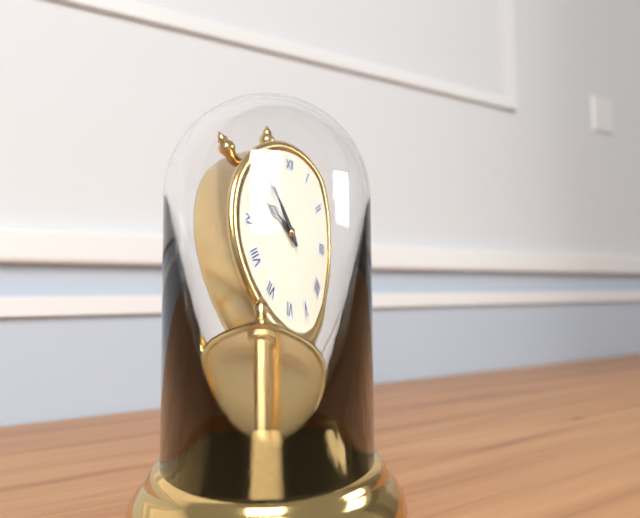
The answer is 9:53
